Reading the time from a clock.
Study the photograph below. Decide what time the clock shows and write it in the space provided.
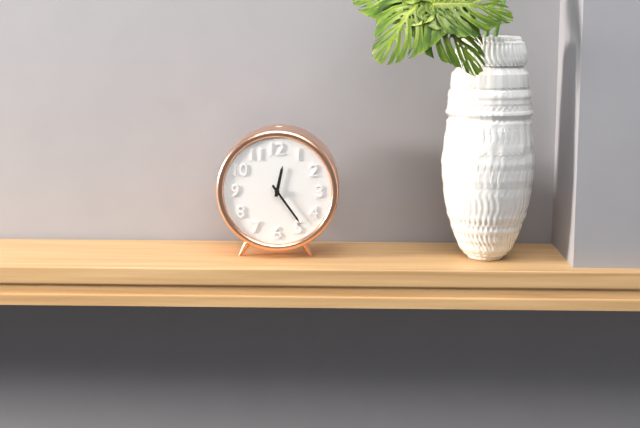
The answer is 12:24
